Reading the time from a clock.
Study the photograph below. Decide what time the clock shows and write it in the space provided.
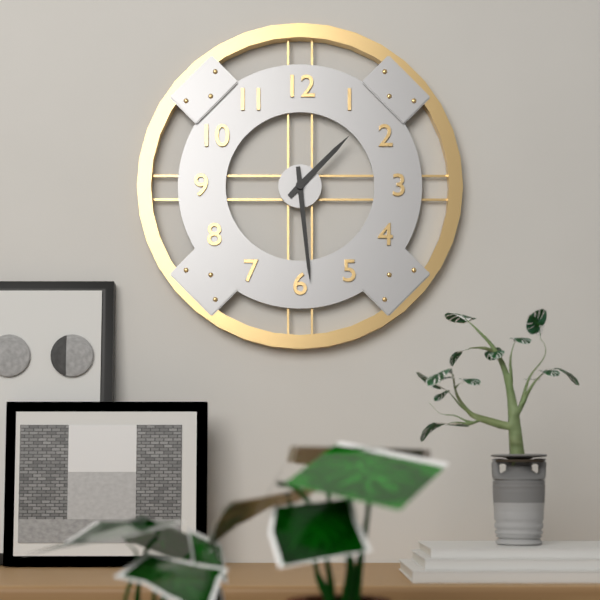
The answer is 1:29
